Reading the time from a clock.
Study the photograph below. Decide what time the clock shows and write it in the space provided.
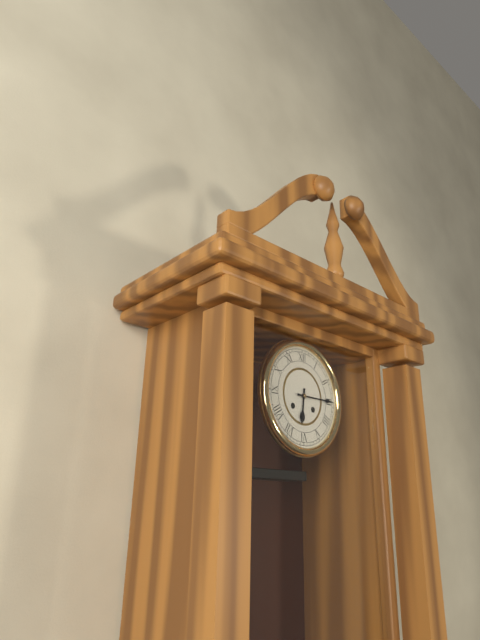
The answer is 6:15
